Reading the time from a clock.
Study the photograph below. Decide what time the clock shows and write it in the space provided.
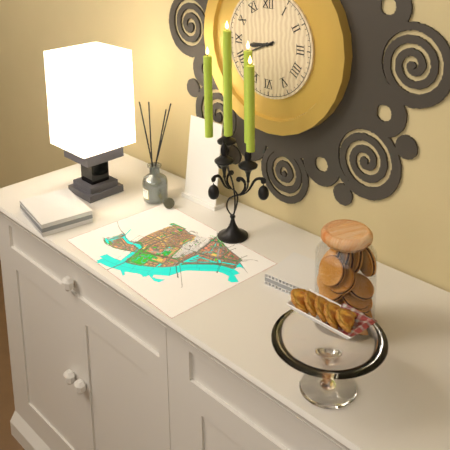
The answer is 8:41
